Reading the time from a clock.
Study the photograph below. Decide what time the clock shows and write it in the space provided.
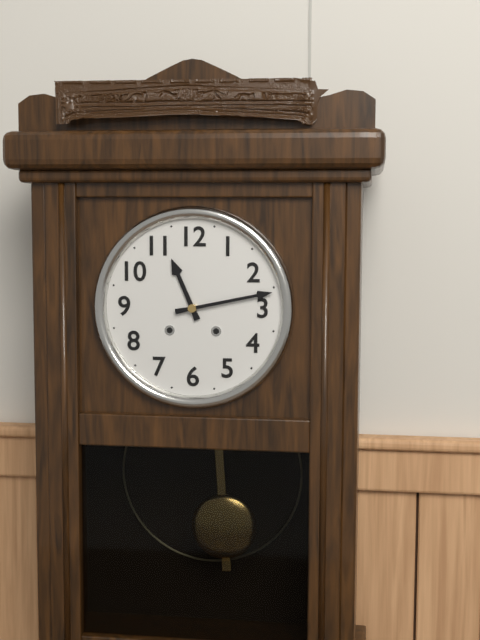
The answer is 11:13
